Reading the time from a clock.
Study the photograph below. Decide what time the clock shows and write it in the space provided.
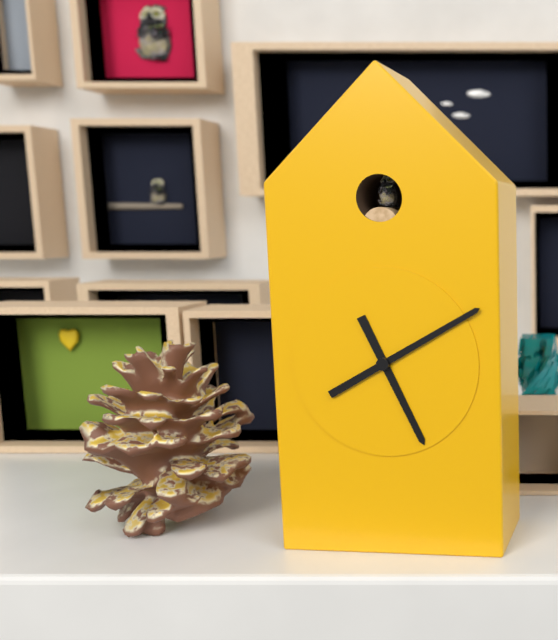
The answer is 5:10
